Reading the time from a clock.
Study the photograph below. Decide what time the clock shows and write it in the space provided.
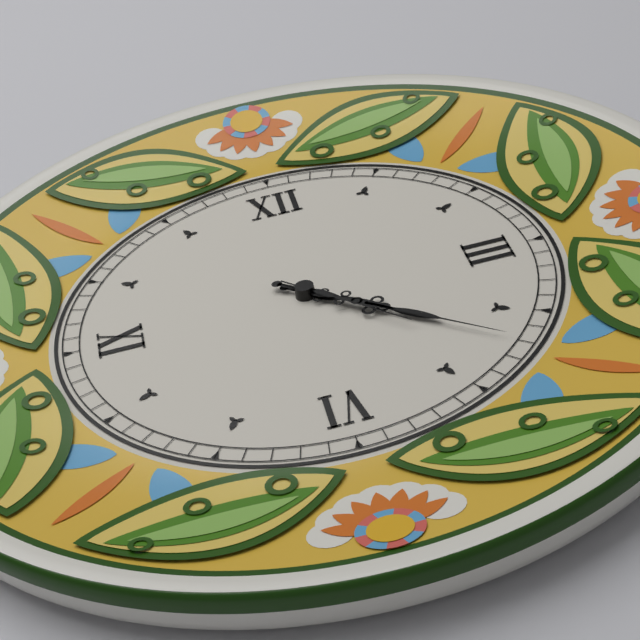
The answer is 4:22:23
